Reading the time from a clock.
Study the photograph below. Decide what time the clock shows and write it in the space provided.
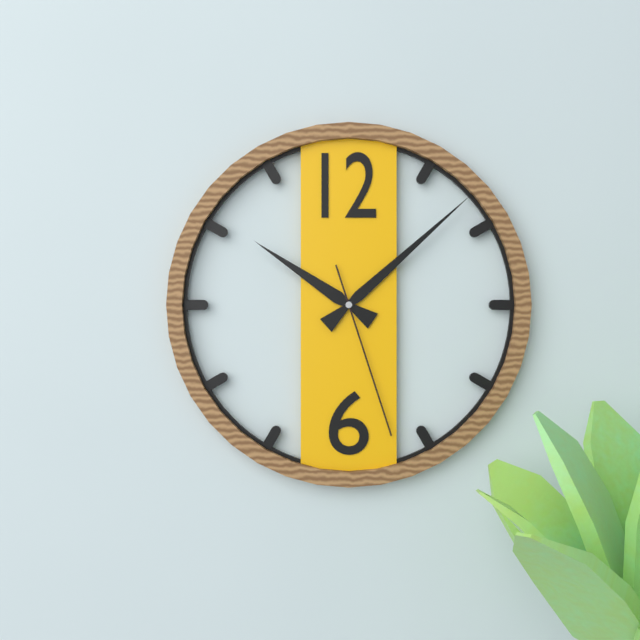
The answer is 10:08:27
